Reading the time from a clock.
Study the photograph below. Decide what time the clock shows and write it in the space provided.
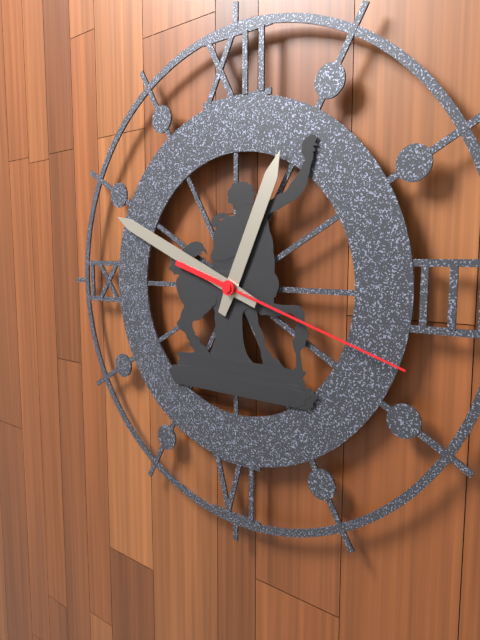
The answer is 12:49:18
